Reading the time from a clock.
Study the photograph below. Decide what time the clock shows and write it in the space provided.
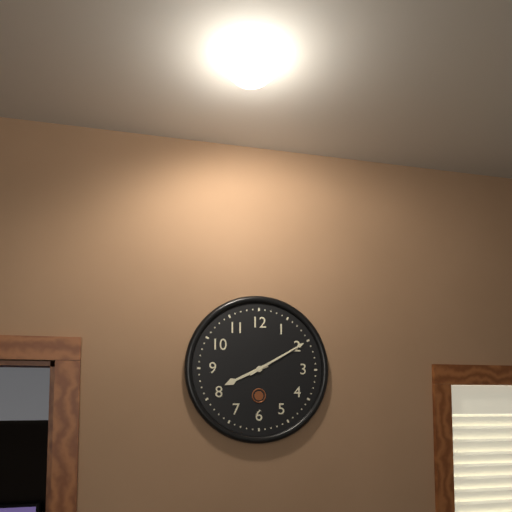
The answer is 8:10
